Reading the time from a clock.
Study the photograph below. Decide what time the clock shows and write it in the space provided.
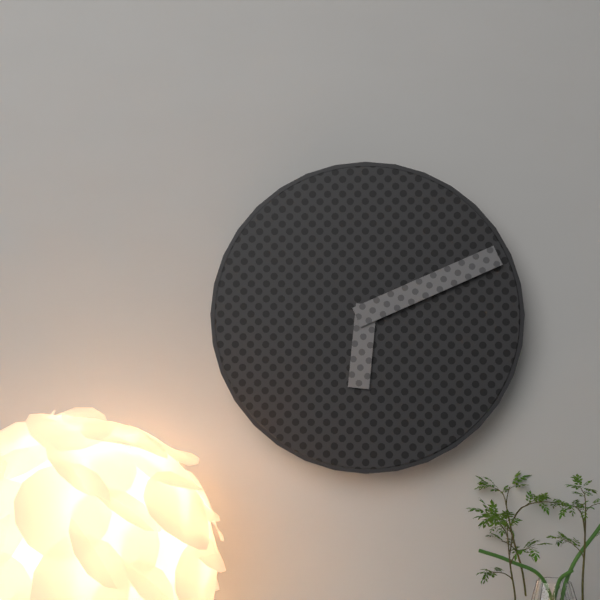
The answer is 6:11
